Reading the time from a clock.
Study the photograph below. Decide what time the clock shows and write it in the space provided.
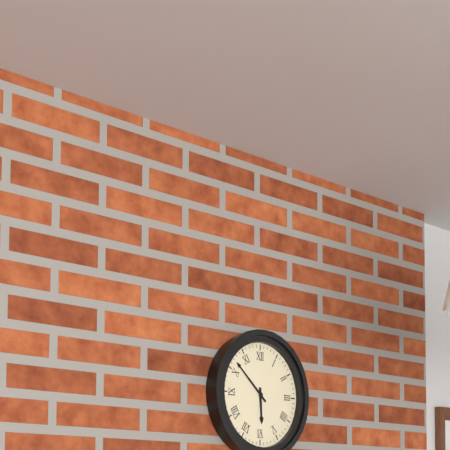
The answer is 5:52
